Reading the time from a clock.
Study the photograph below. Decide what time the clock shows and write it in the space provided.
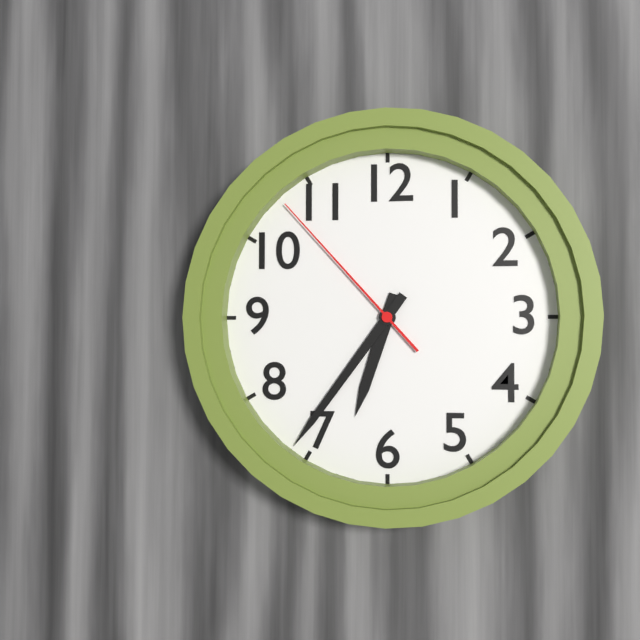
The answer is 6:36:53
